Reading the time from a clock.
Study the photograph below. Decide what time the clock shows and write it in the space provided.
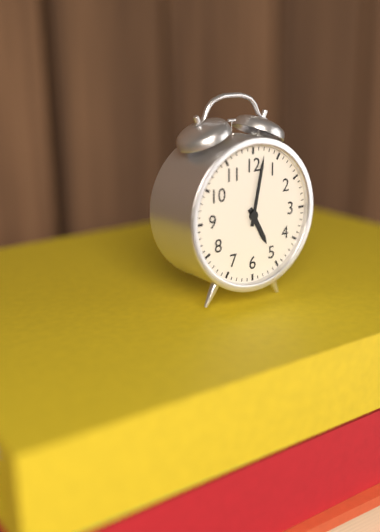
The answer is 5:02
